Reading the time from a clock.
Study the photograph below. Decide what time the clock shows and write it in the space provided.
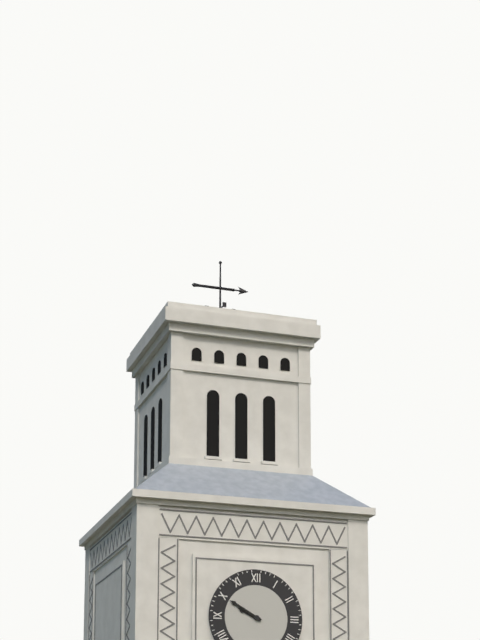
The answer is 9:50
